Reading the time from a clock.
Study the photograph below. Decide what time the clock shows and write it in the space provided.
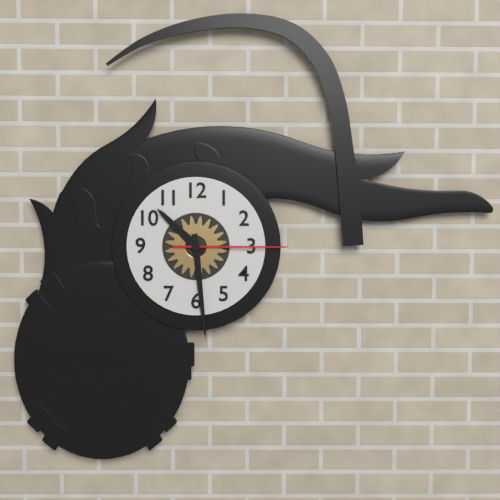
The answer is 10:29:15
